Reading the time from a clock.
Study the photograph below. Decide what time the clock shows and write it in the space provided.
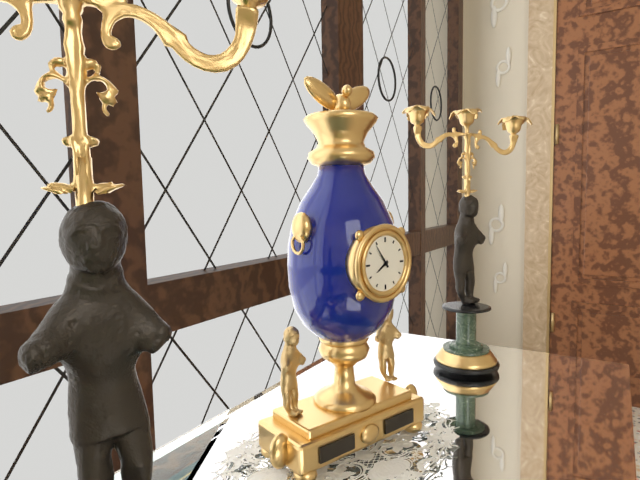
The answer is 7:54
